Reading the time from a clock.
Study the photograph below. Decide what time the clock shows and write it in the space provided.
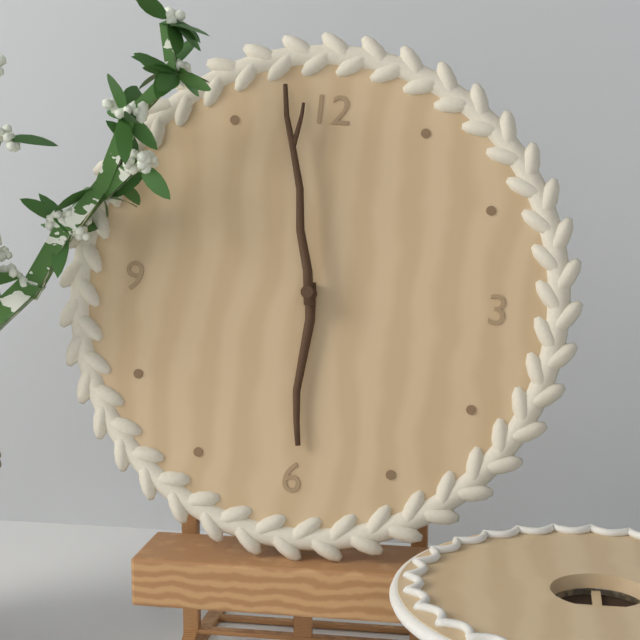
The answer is 5:58
